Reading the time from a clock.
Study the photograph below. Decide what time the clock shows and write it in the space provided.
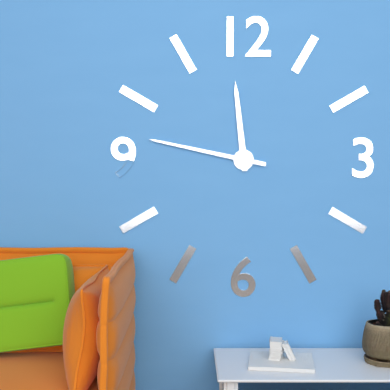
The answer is 11:47
